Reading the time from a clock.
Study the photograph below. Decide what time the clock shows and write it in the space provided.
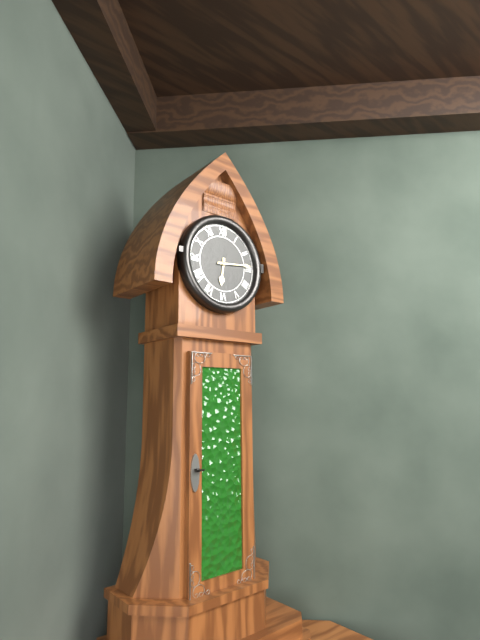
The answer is 6:14
